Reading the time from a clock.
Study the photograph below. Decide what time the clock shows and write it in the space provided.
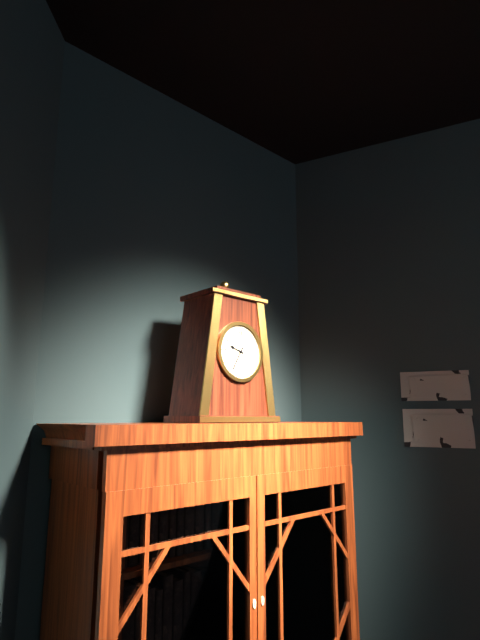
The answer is 9:35
